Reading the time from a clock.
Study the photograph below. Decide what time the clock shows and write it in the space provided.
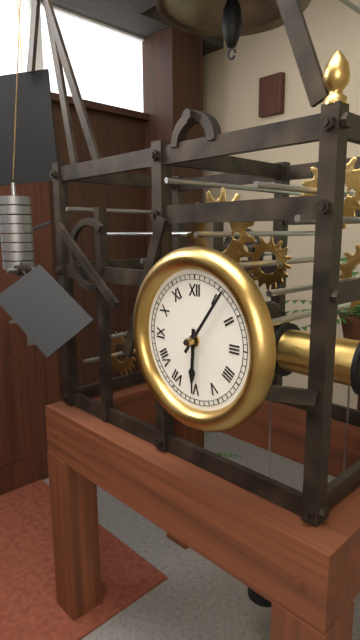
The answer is 6:06
